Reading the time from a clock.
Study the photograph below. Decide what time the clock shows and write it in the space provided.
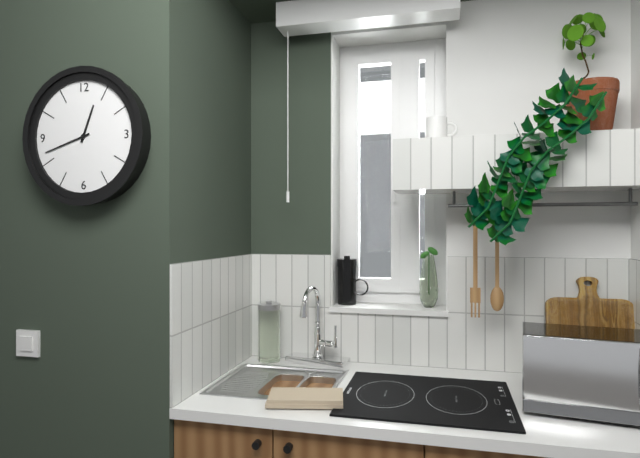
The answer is 12:42
